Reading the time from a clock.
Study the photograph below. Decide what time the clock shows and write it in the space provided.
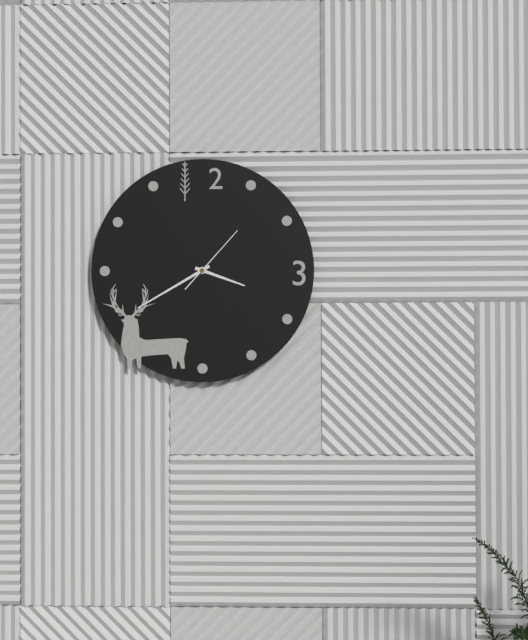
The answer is 3:40:07
